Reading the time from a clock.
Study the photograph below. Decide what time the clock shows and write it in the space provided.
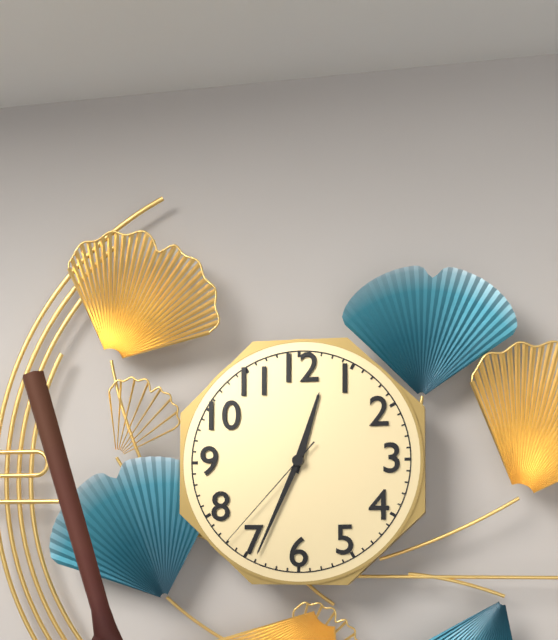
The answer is 12:34:37
